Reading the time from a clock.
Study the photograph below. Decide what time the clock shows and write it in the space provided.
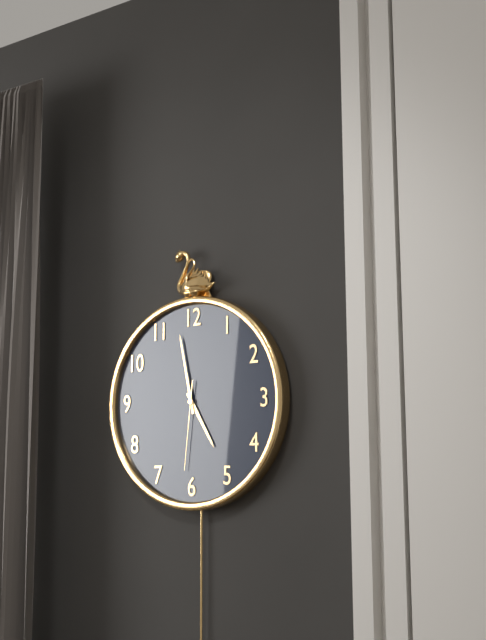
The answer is 4:58:31
